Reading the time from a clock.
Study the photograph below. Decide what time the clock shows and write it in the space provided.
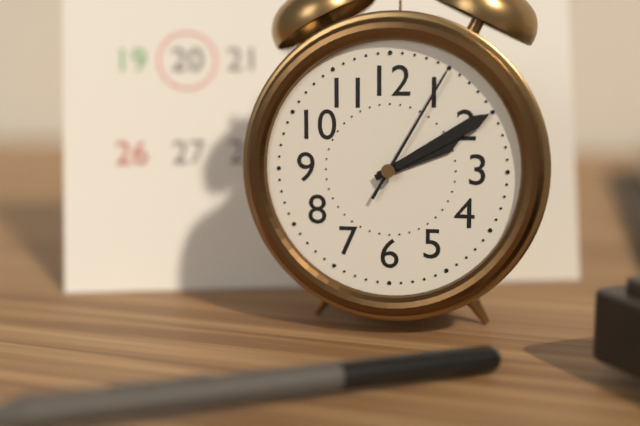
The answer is 2:10:05
